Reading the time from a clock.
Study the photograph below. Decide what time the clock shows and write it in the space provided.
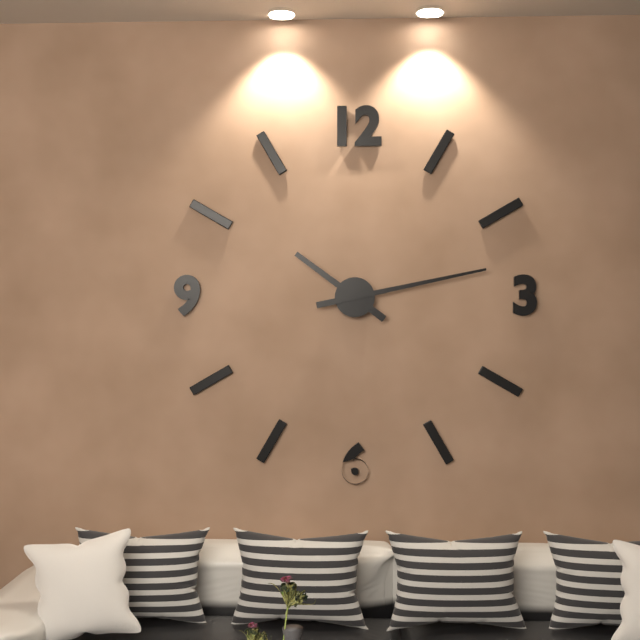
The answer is 10:13
